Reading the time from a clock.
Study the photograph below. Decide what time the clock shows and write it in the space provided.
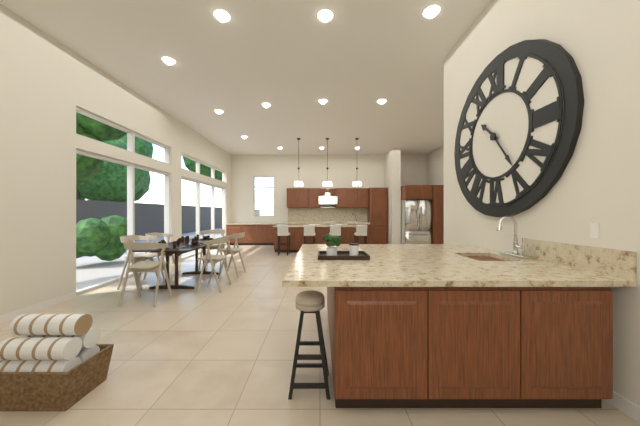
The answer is 10:24
